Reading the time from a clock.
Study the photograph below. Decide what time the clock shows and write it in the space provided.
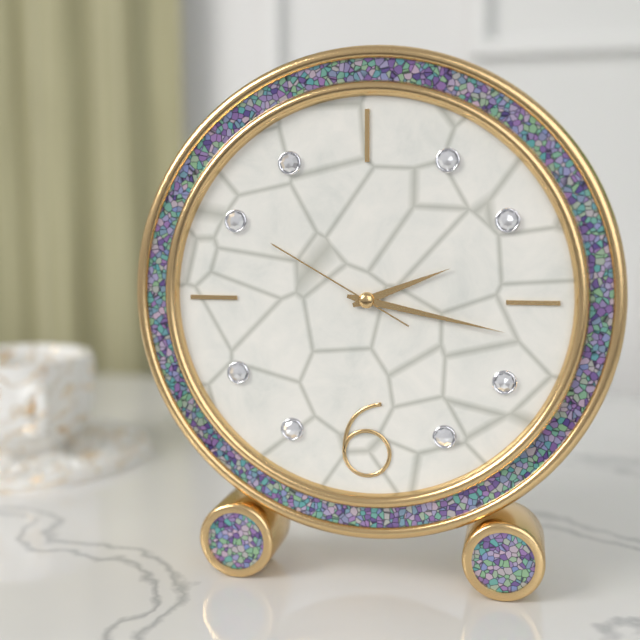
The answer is 2:17:50
